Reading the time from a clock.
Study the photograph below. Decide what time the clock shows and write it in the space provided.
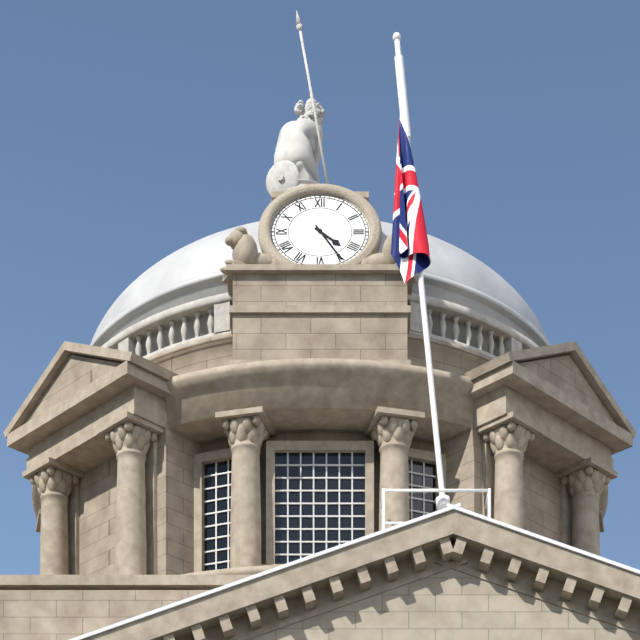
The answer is 4:25
